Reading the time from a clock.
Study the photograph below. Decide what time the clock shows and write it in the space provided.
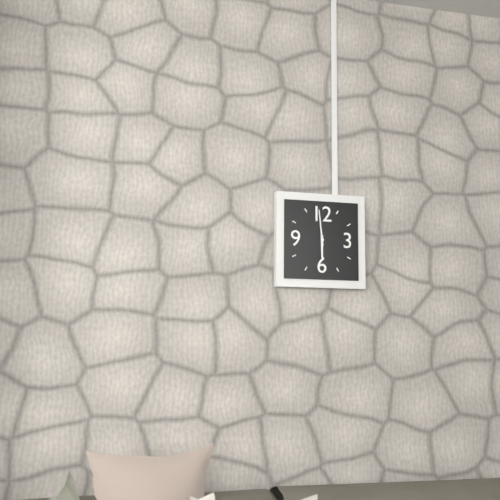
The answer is 5:59
